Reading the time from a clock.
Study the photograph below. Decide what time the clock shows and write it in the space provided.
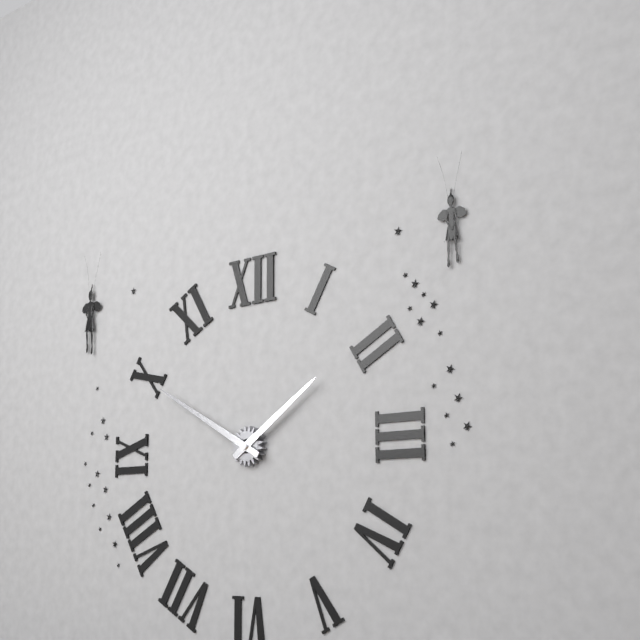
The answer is 1:50
